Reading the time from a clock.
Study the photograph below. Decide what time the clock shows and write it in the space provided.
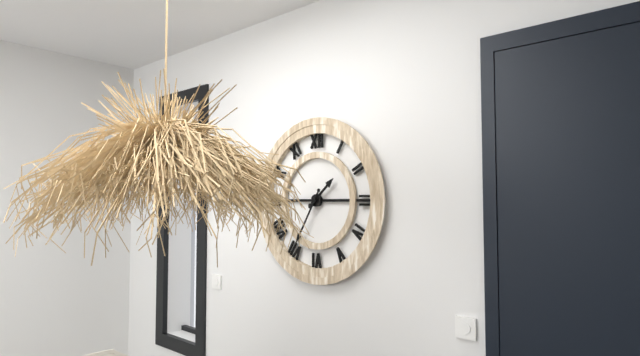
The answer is 1:35
